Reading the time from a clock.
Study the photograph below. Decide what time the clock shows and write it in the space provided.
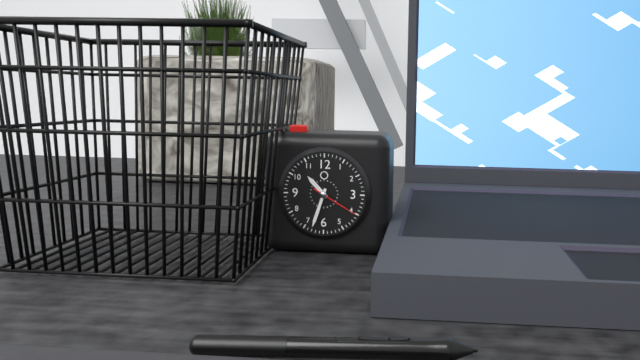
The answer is 10:33
